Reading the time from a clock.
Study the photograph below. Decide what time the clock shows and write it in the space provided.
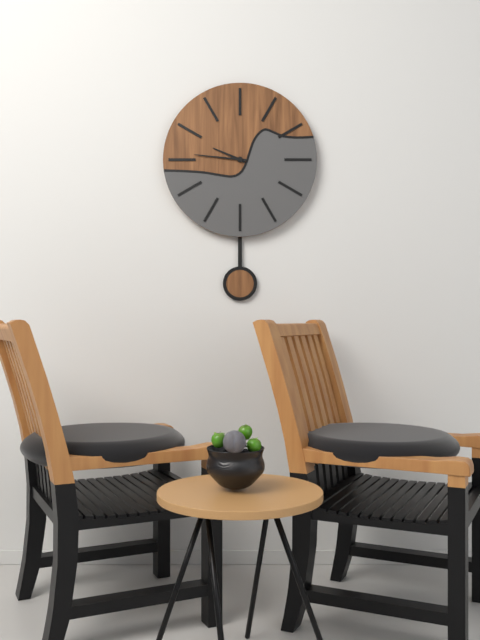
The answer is 9:46
